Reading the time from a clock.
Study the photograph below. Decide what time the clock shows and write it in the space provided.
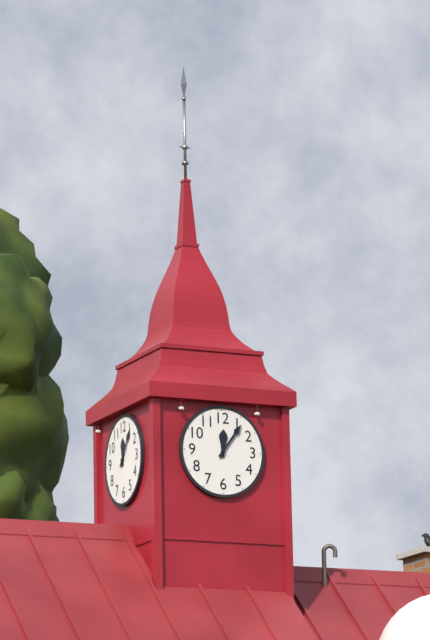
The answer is 12:06
